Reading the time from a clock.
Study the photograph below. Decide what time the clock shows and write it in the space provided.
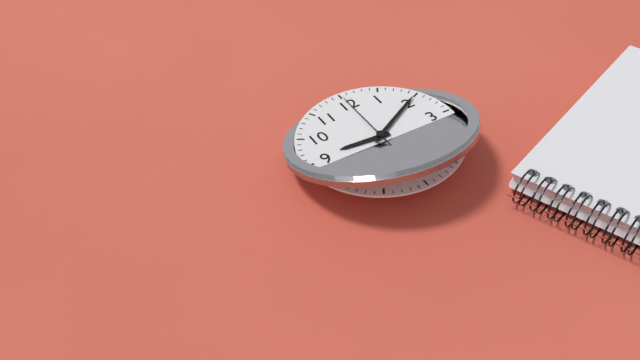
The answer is 9:10:00
